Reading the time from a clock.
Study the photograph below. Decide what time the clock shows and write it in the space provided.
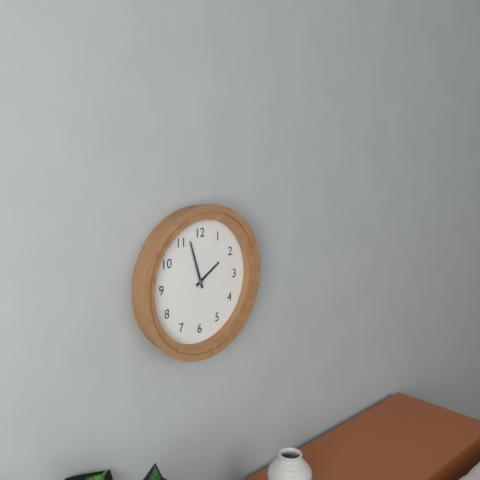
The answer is 1:57
